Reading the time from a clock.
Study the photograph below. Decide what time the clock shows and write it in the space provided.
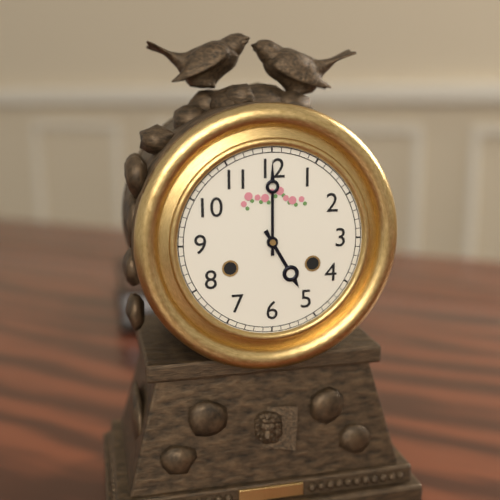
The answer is 5:00
